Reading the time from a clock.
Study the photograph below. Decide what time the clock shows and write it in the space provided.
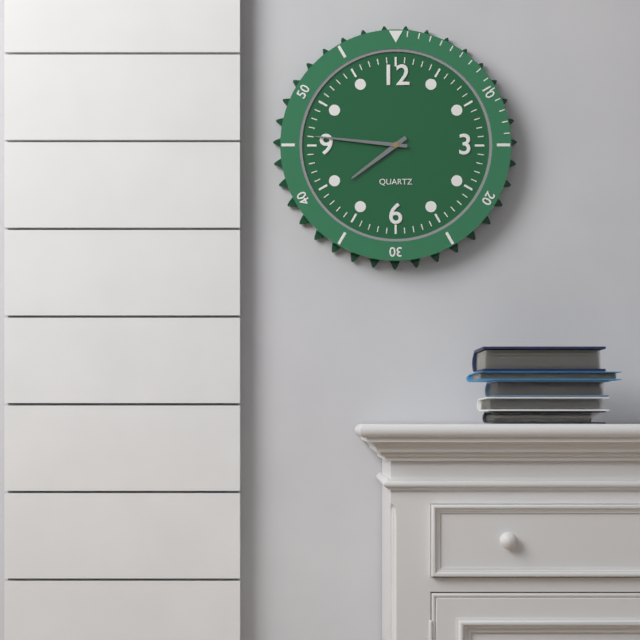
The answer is 7:46
